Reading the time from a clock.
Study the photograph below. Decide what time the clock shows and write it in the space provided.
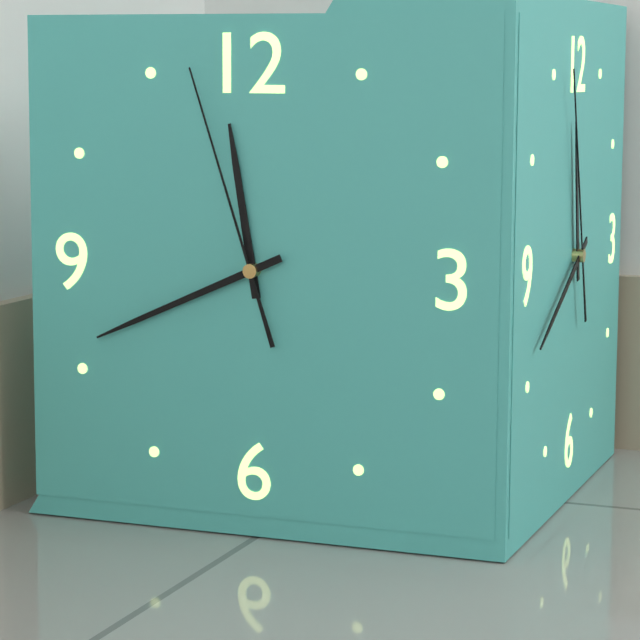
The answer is 11:41:57
